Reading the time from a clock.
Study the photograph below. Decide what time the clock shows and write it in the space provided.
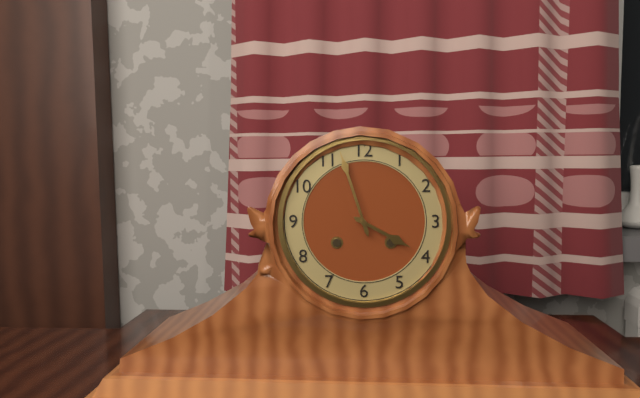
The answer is 3:57
